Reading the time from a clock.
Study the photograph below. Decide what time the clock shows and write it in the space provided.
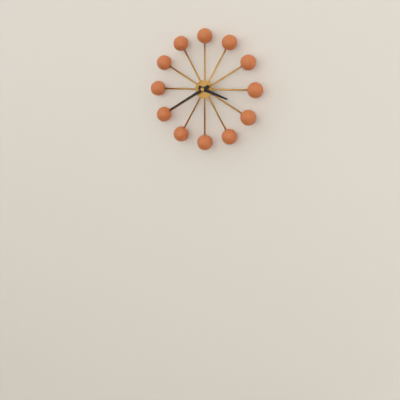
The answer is 3:40
